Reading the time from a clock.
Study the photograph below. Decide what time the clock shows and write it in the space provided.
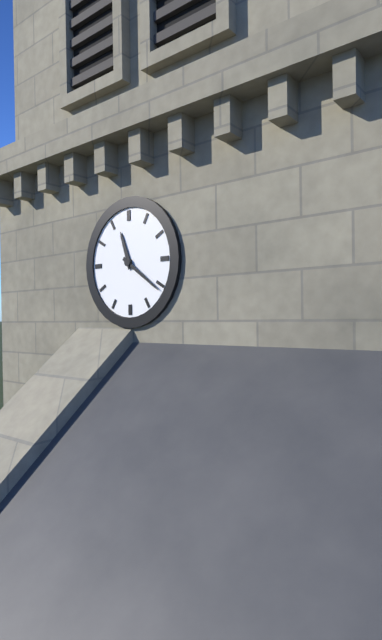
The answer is 11:21
